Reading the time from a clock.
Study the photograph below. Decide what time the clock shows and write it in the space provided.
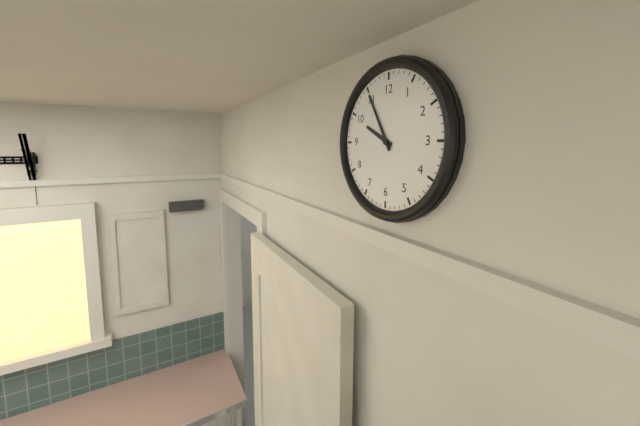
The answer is 9:55
